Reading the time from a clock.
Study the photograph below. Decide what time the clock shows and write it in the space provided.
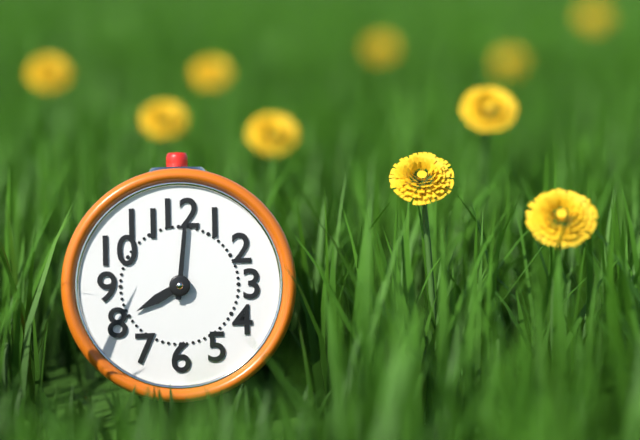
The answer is 8:01
